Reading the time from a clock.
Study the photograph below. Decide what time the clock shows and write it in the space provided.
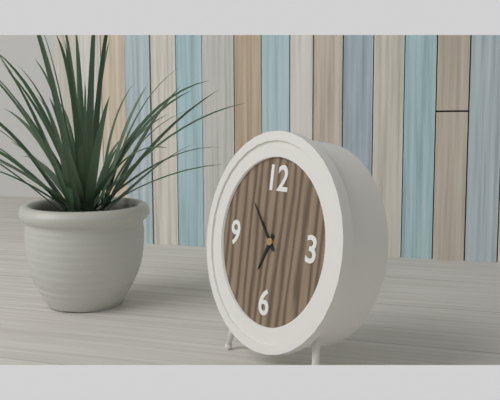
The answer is 6:53
